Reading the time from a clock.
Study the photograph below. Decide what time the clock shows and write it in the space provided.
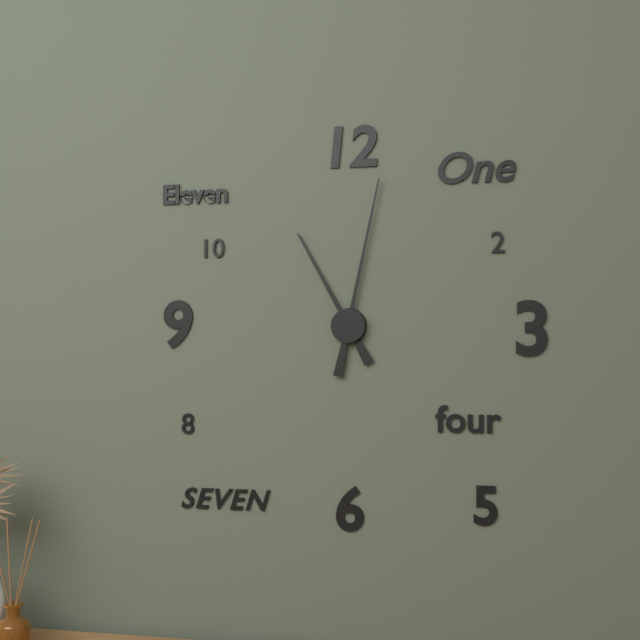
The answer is 11:02
